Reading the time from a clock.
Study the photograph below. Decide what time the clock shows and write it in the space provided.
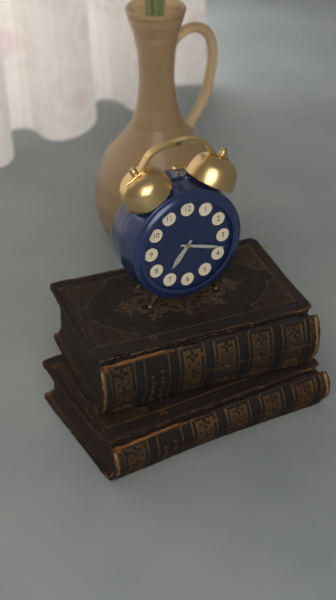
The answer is 7:18
